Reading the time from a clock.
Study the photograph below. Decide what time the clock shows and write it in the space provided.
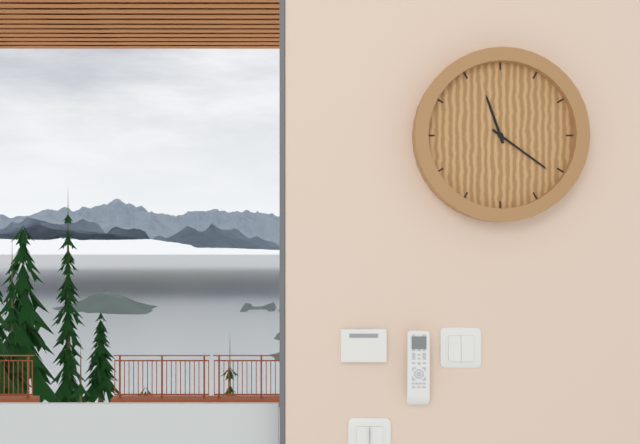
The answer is 11:21
